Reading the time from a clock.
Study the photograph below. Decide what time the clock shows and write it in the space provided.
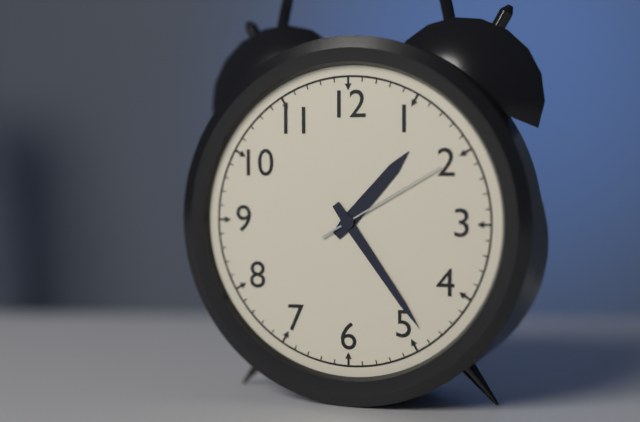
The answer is 1:24:10
